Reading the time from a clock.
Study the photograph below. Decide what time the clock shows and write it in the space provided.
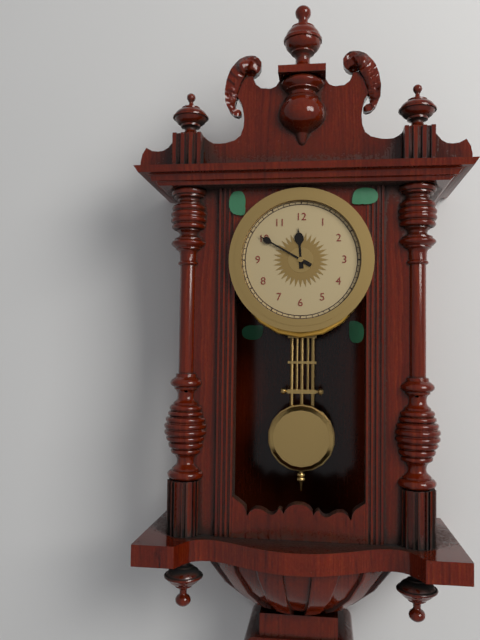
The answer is 11:50
